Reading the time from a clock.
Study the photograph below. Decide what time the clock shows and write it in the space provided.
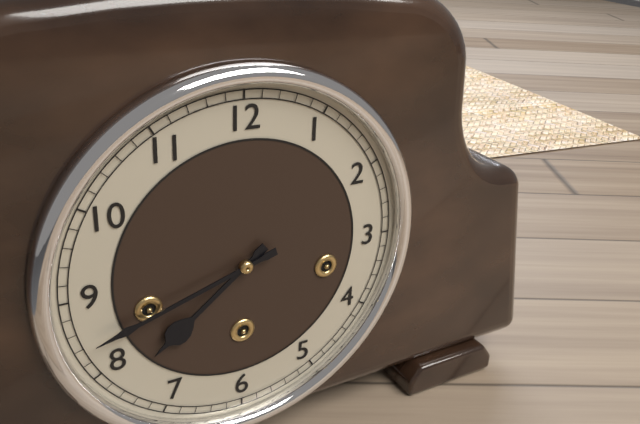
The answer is 7:42
